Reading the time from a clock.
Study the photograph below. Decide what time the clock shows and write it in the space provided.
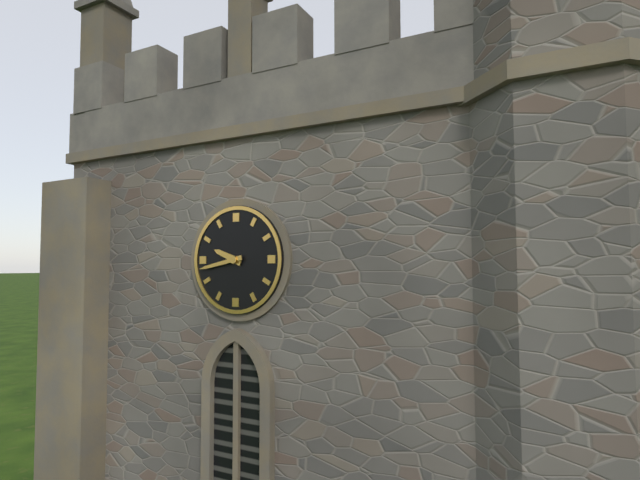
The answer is 9:43
